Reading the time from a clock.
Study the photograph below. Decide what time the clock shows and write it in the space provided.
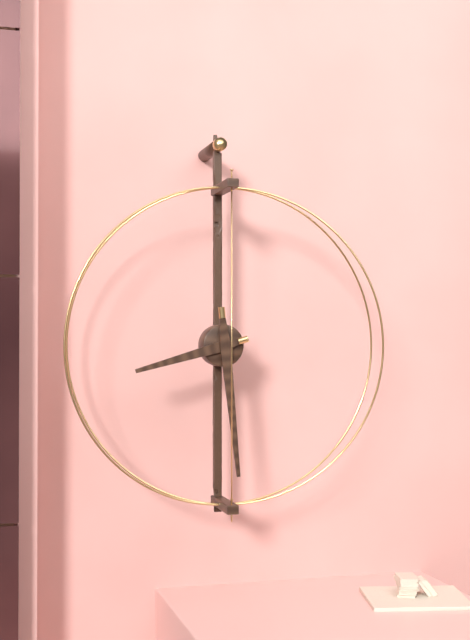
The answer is 8:29
